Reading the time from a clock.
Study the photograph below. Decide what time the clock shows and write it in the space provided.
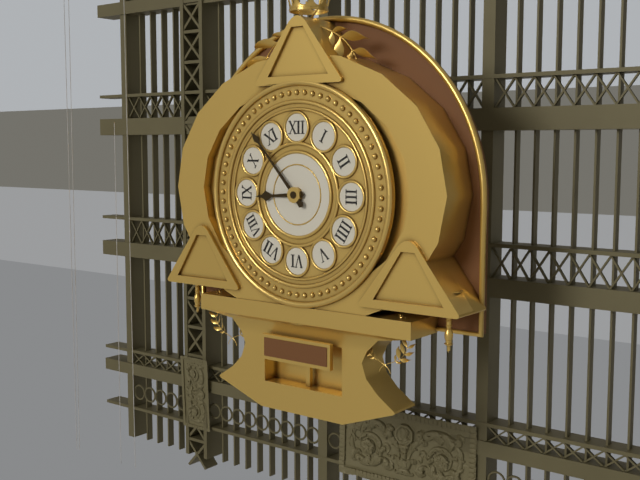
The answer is 8:53
